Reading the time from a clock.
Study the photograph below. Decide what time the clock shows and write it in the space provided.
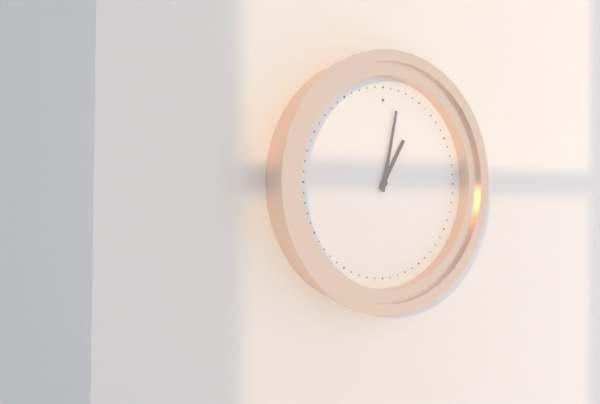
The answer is 1:02
